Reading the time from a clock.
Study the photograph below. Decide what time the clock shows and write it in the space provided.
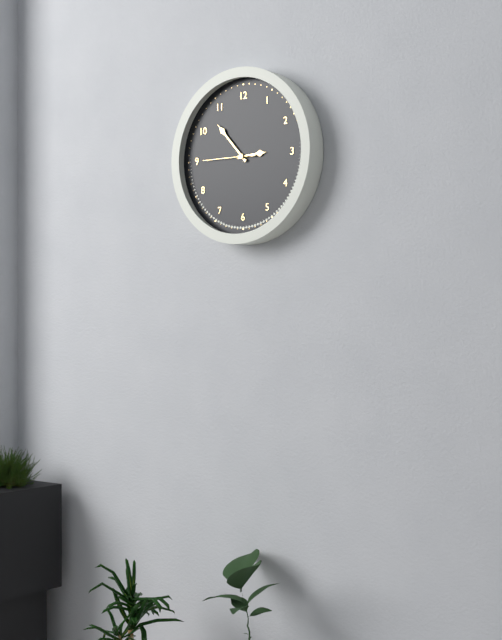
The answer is 2:53:45
